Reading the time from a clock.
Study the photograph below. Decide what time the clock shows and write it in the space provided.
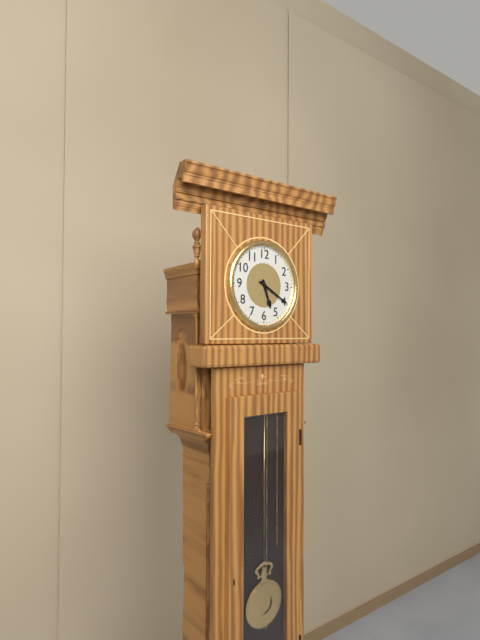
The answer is 5:20
